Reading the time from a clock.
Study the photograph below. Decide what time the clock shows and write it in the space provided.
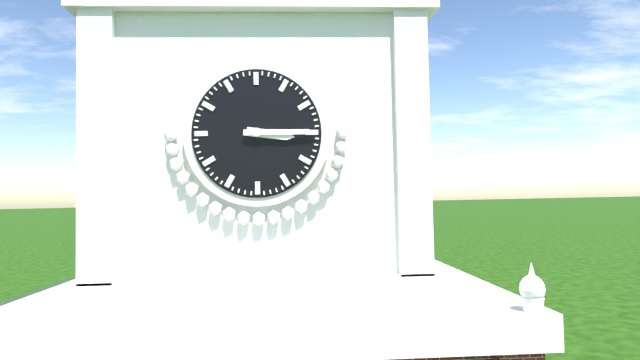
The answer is 3:15
